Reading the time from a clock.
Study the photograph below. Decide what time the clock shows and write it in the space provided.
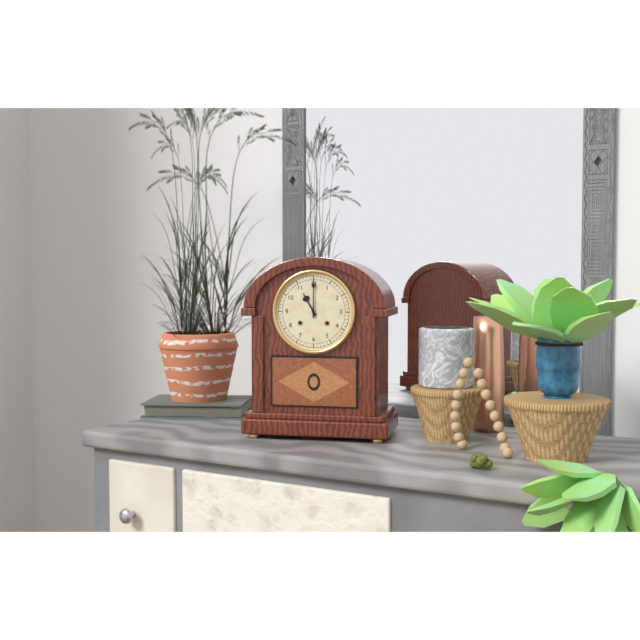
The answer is 11:00
